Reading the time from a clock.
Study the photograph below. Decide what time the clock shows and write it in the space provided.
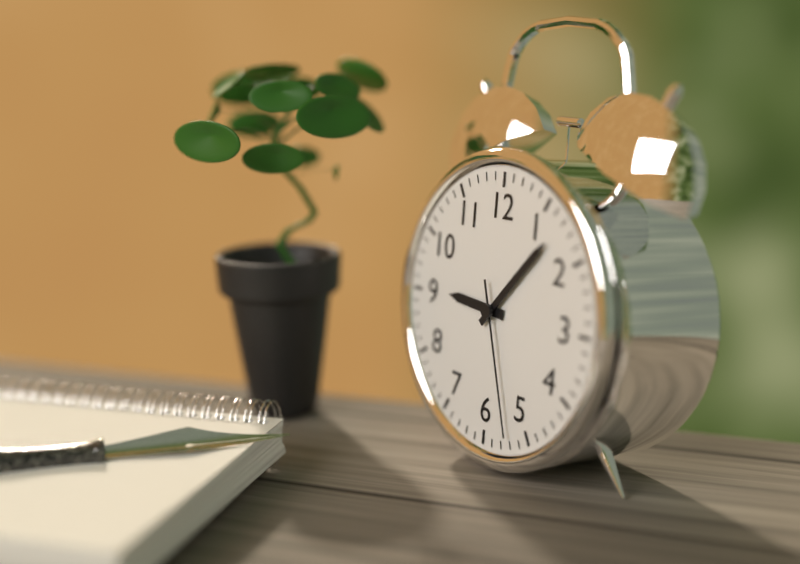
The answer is 9:07:27
